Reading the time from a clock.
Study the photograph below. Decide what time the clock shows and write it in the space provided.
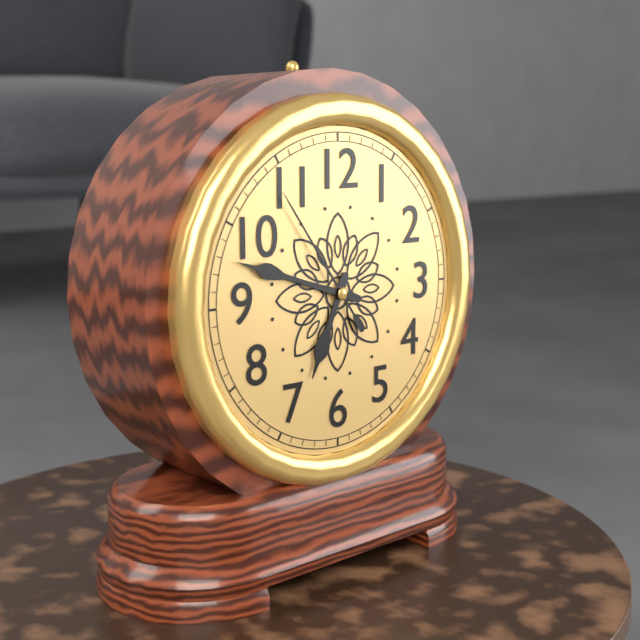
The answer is 6:48:54
